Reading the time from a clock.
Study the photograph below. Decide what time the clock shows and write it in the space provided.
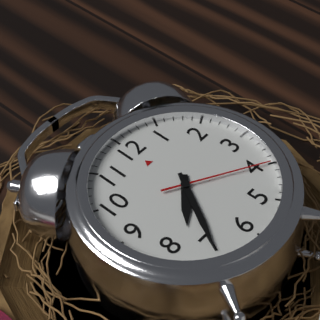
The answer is 7:35:20
